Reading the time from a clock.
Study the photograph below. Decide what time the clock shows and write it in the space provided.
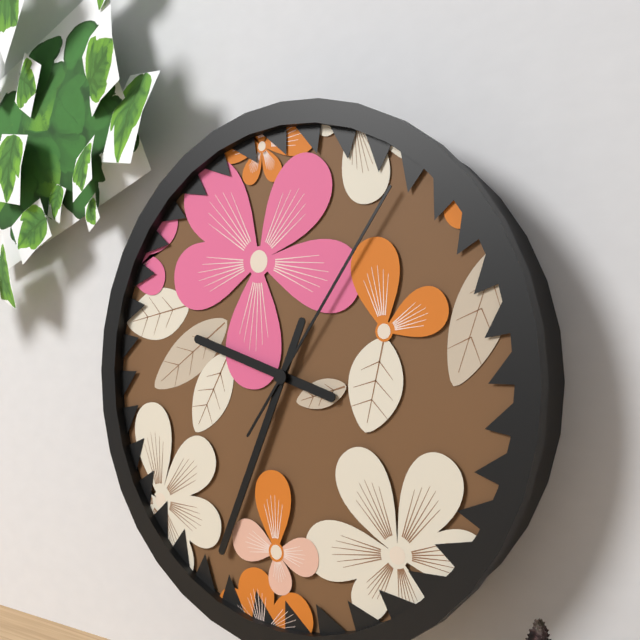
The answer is 9:34:06
